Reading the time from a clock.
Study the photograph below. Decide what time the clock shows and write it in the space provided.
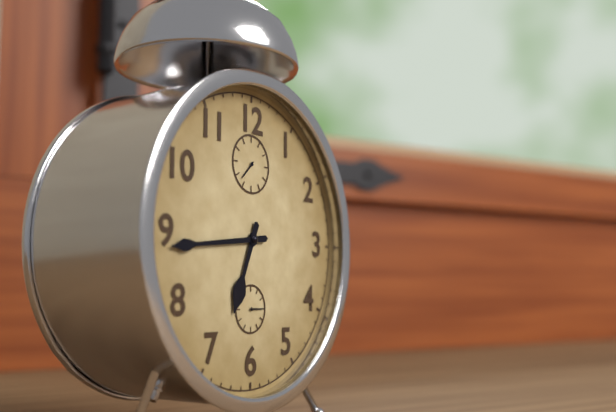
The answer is 6:44
